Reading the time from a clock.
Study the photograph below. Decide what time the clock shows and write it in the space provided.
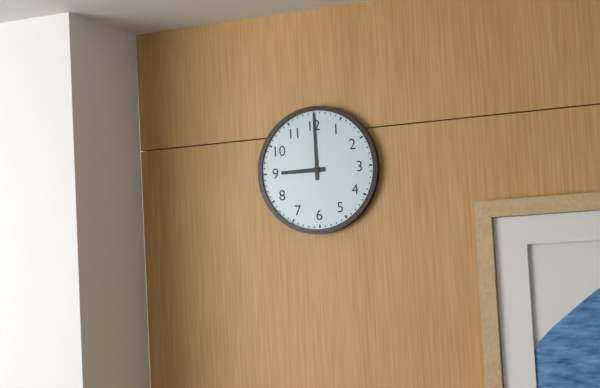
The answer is 9:00
